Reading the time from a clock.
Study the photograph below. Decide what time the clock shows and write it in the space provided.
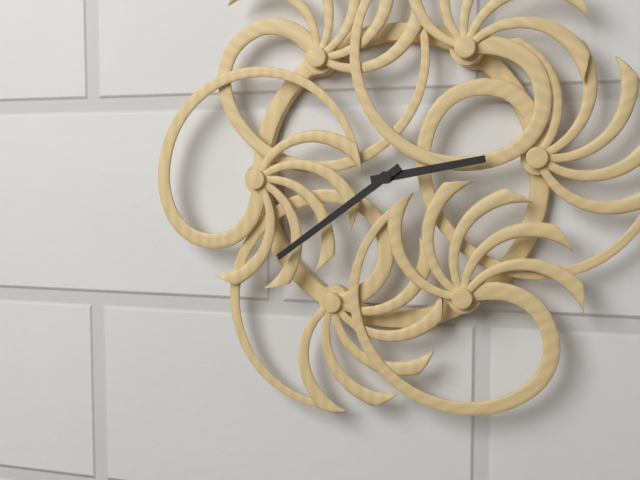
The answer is 2:39
